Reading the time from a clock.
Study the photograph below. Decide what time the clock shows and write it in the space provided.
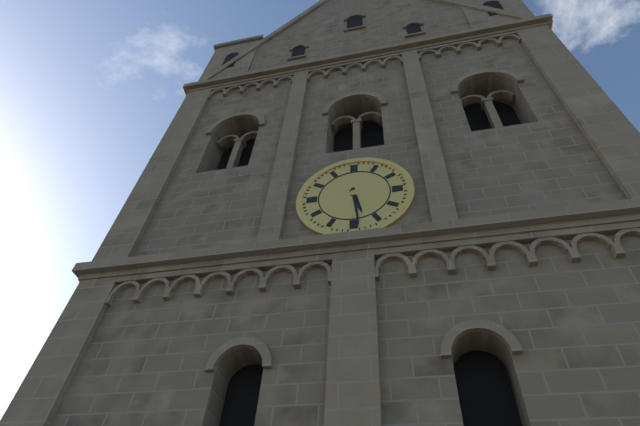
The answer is 5:29
